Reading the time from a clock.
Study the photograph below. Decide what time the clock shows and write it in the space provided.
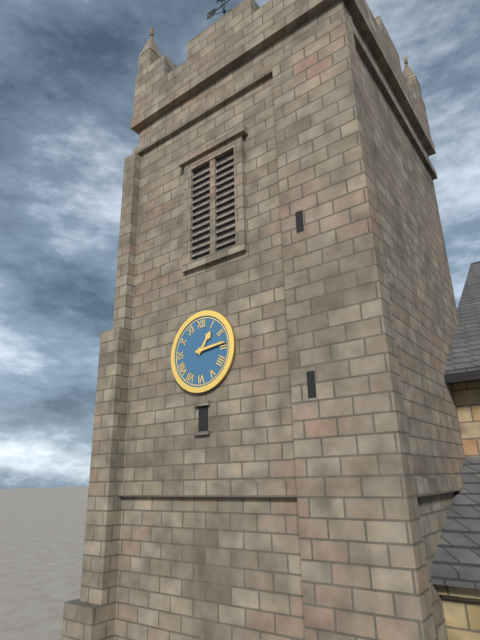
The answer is 1:14
